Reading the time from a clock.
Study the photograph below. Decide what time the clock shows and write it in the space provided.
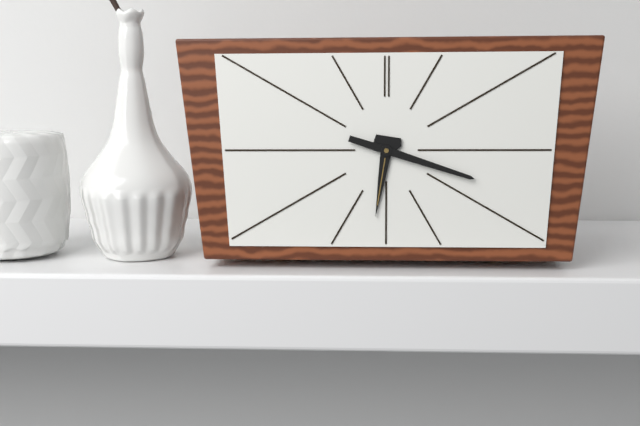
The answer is 6:18
